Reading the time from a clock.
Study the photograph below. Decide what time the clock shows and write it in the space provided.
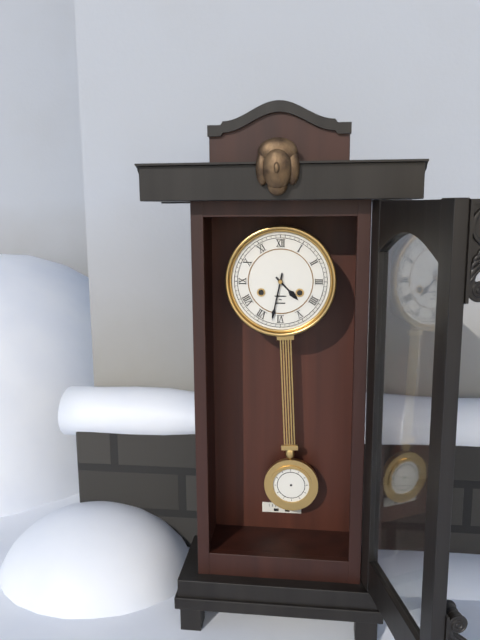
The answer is 4:32
